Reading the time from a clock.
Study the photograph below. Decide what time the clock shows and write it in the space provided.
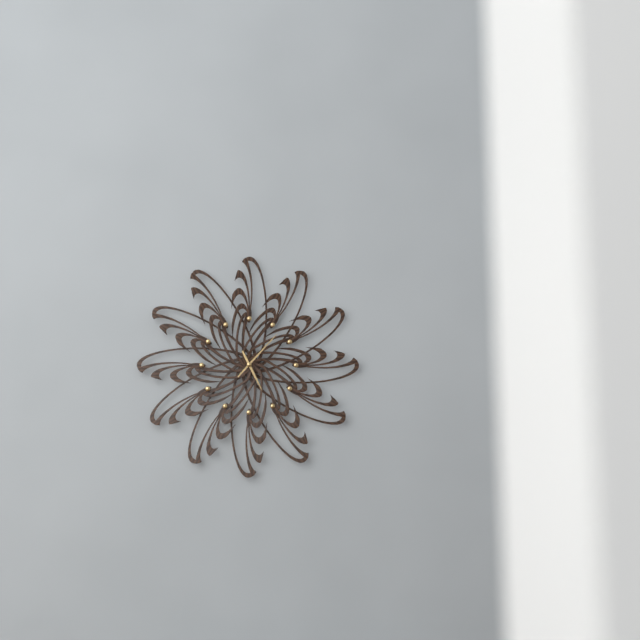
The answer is 5:07
